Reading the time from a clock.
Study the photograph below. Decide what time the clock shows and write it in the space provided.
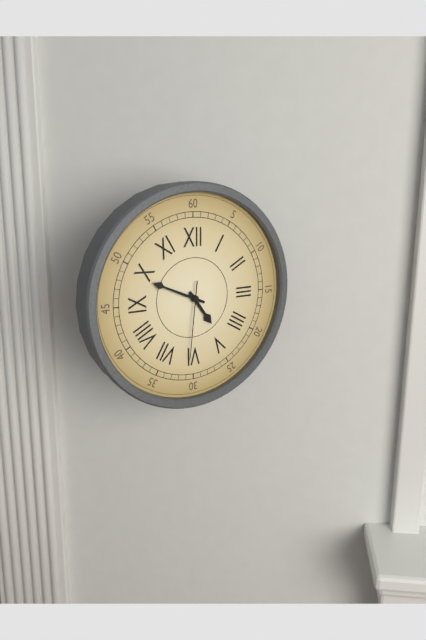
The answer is 4:49:31
